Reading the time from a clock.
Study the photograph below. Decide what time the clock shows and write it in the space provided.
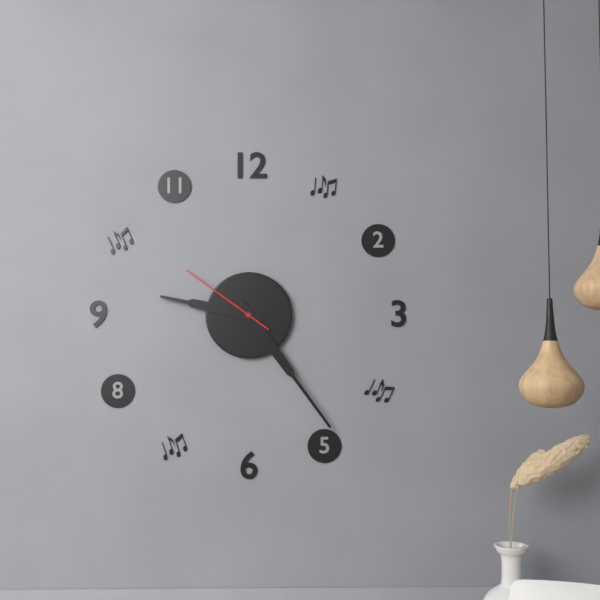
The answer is 9:24:51
